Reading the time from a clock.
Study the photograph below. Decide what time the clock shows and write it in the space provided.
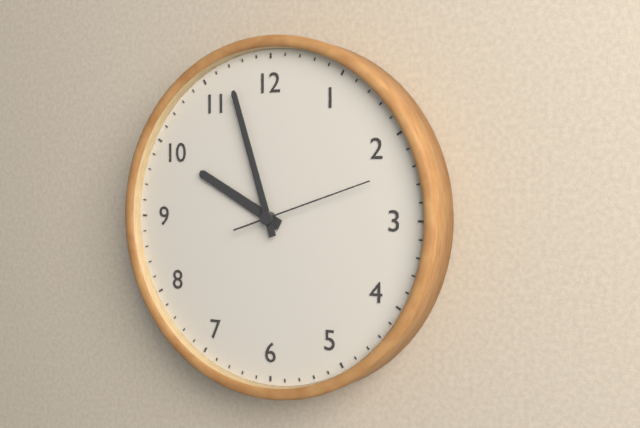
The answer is 9:57:12
